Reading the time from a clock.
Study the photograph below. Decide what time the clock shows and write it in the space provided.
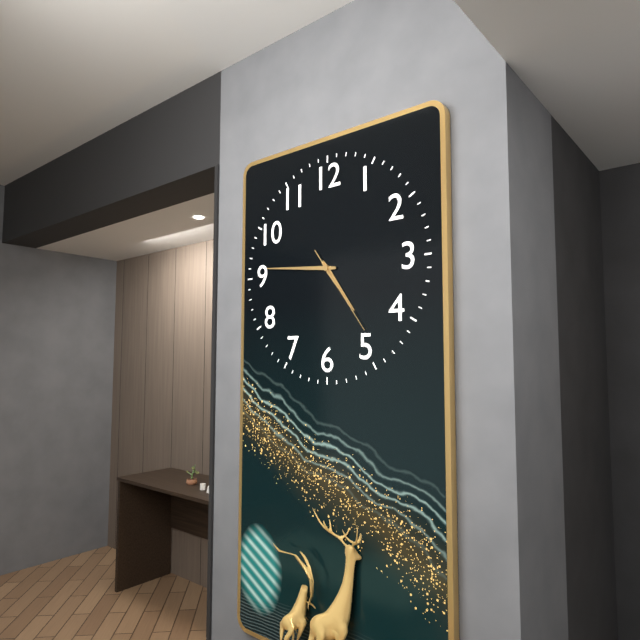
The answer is 4:46:24
